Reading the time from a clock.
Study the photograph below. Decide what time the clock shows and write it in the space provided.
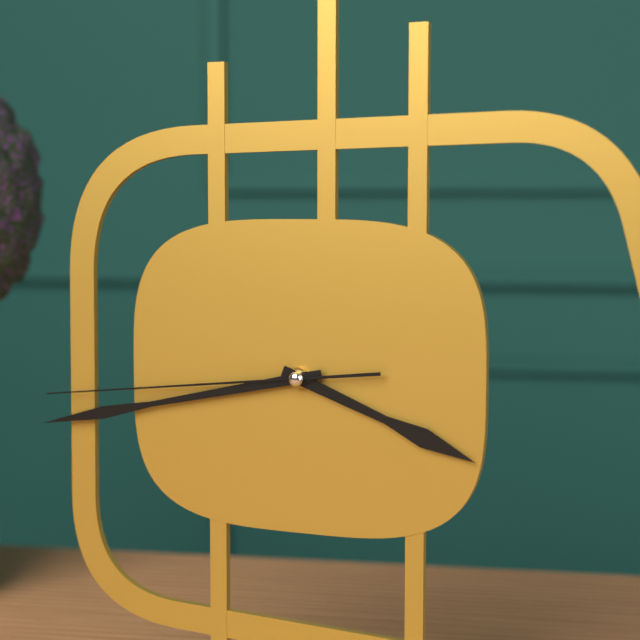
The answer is 3:43:44
